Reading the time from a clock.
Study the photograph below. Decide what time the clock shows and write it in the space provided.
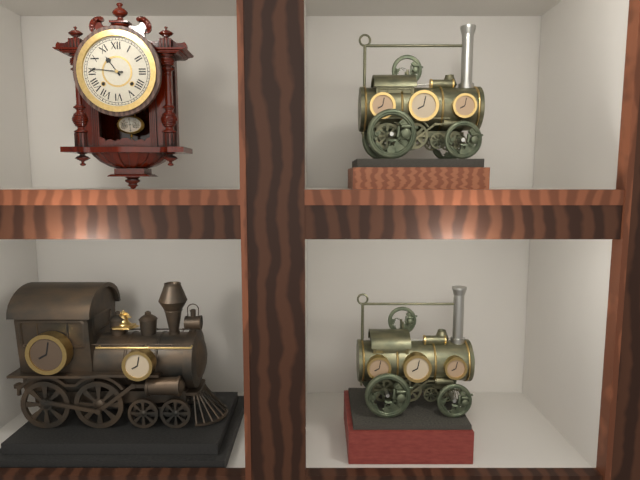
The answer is 10:46
